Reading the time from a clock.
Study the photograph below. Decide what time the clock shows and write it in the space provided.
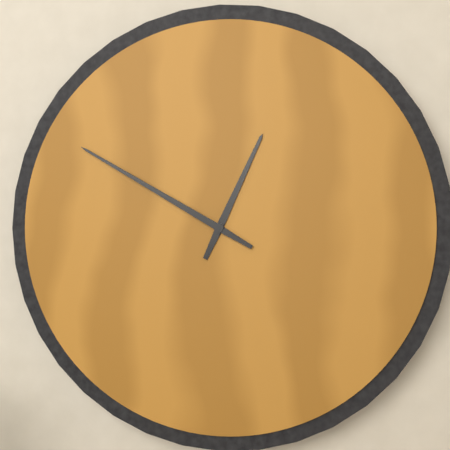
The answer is 12:50
